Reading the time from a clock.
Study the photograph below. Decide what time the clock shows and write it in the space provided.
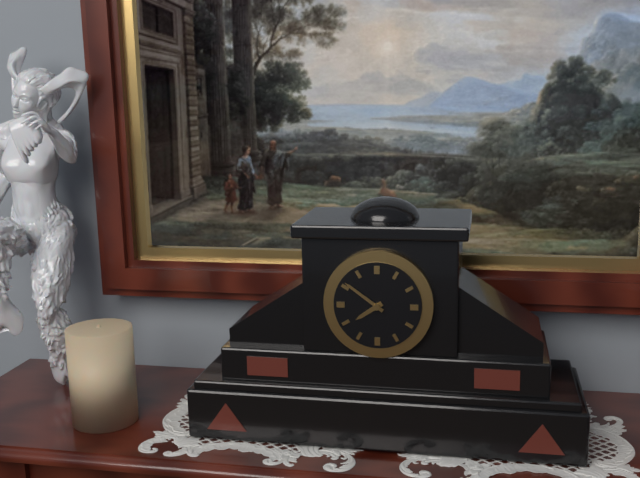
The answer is 7:51
